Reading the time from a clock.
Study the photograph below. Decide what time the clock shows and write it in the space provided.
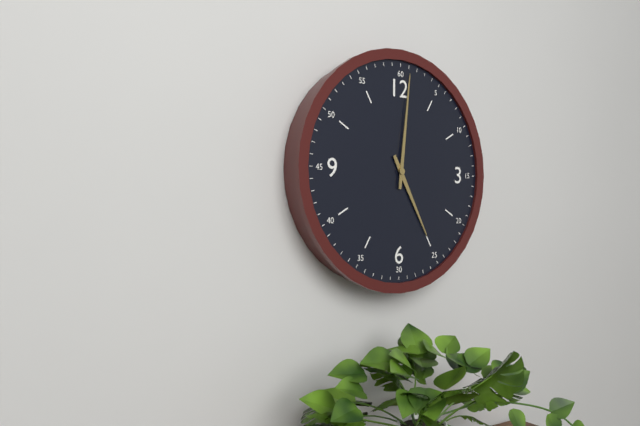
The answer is 5:01
